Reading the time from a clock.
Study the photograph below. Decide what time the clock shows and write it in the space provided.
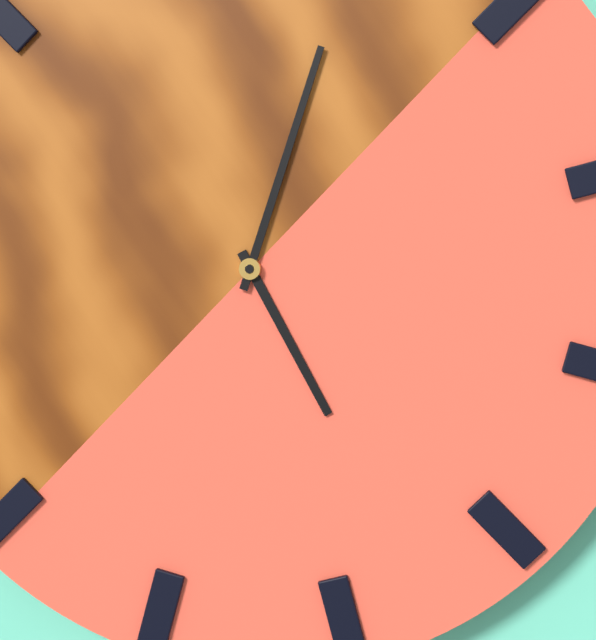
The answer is 5:03
